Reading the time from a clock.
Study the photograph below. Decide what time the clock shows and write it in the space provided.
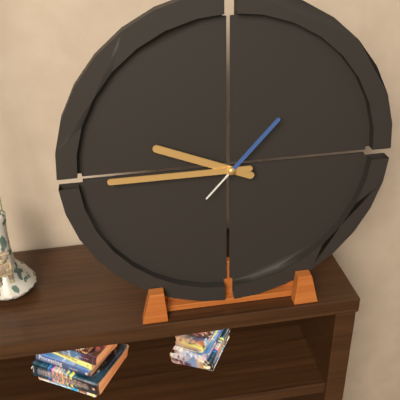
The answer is 9:45:07
